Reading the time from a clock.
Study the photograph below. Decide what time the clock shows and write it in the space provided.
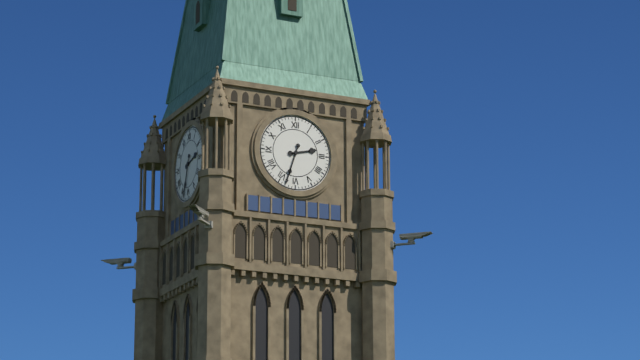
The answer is 2:33
